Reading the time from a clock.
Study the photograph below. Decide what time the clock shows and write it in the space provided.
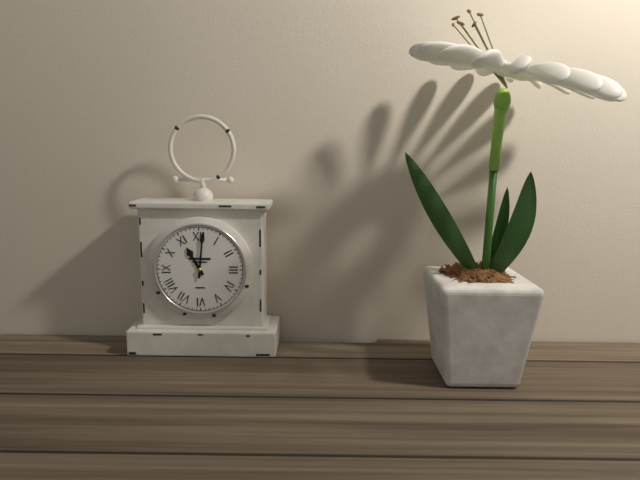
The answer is 11:01
